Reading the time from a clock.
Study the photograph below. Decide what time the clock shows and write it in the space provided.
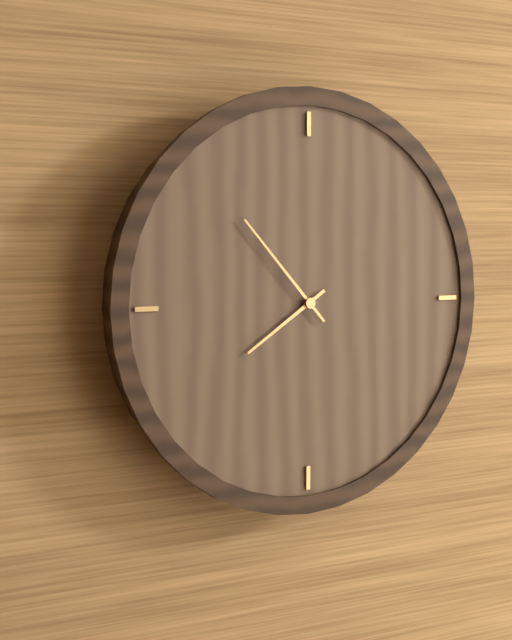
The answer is 7:53
